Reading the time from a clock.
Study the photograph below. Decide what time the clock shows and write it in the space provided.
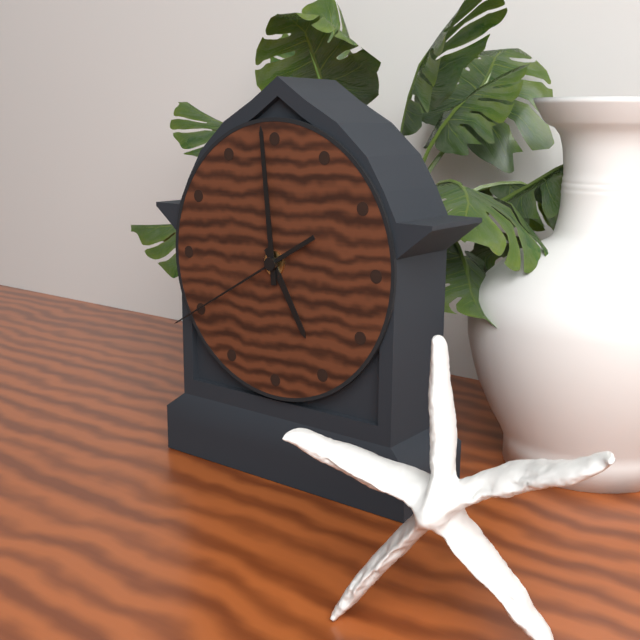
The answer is 4:59:40
